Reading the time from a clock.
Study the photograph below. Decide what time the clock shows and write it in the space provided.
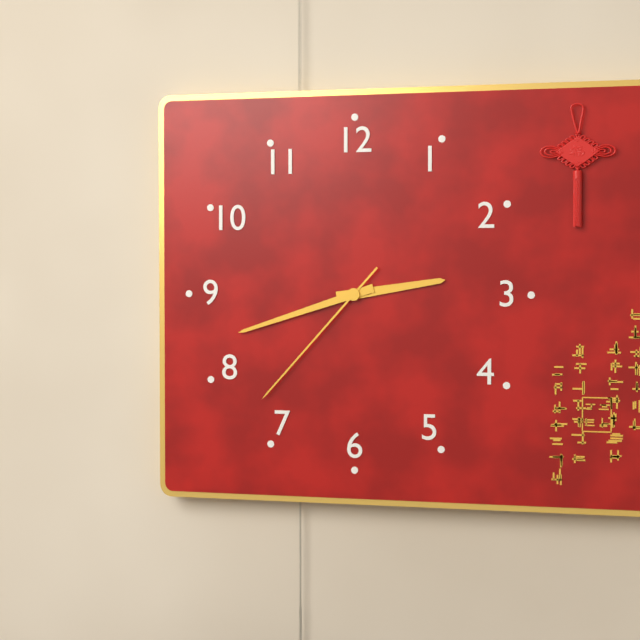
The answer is 2:42:37
